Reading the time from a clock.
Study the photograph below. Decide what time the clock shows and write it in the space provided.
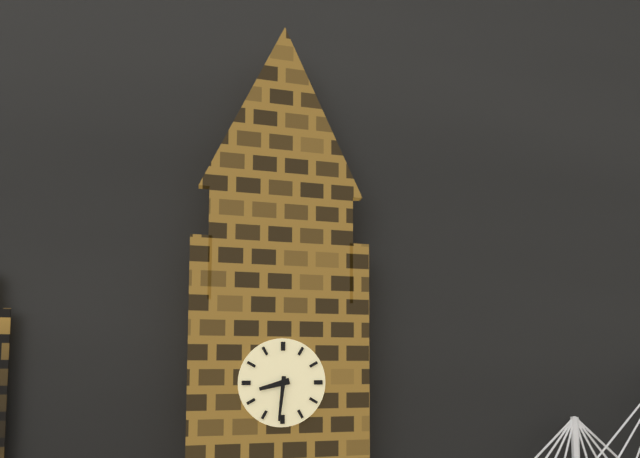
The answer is 8:31
